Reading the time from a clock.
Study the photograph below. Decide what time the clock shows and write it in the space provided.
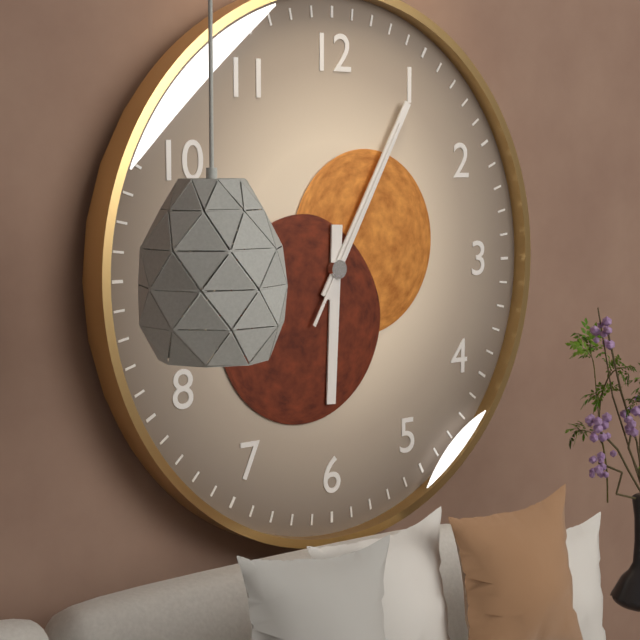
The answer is 6:05:05
